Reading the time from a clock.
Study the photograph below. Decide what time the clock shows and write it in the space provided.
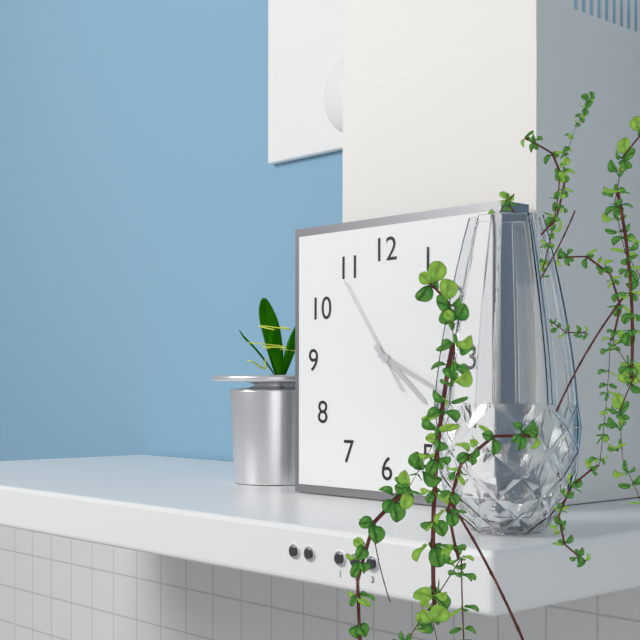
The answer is 4:19:54
